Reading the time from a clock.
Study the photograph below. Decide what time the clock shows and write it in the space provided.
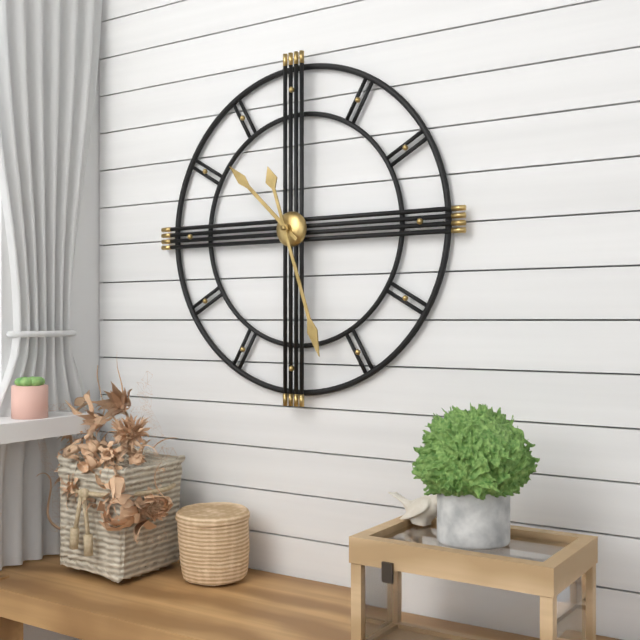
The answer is 10:27
